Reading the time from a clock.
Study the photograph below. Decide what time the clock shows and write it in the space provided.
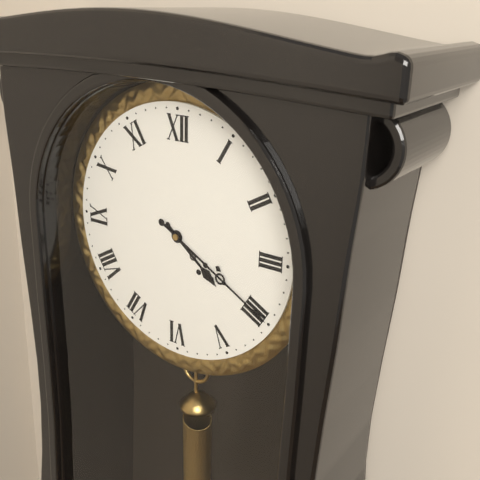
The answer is 4:20
